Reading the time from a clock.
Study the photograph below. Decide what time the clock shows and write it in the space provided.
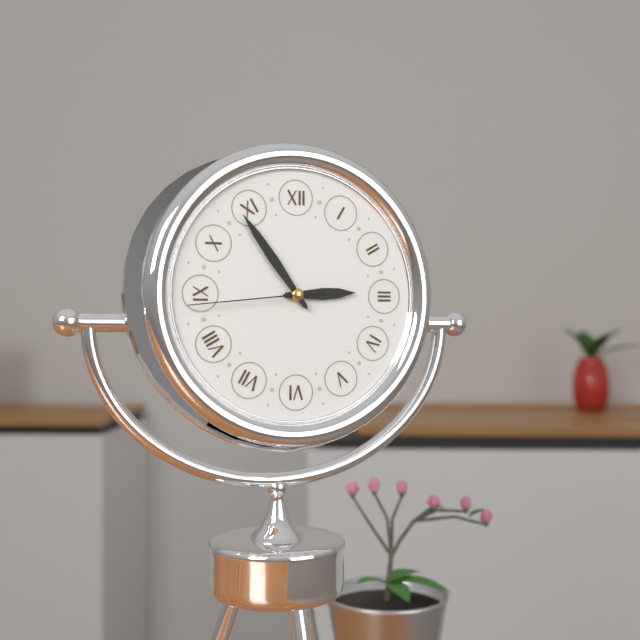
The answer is 2:54:44
